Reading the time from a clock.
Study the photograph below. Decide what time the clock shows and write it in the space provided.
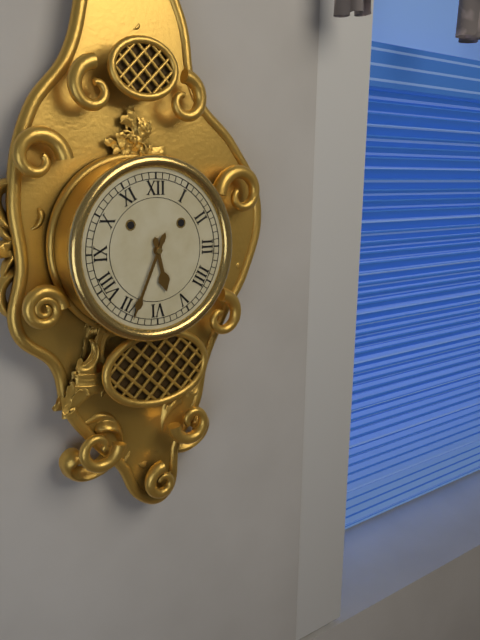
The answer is 5:34
